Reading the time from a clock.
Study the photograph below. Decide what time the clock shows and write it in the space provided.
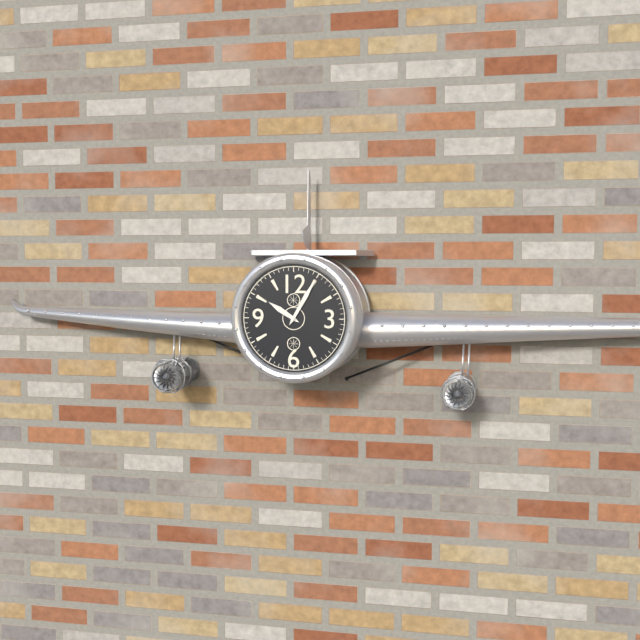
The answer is 10:05
